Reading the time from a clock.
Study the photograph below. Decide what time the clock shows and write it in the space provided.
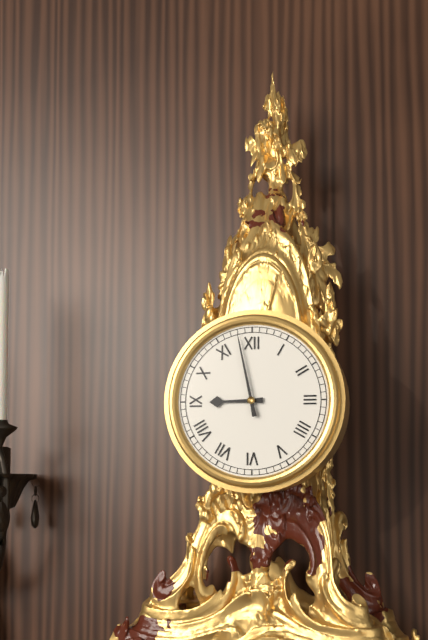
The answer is 8:58
